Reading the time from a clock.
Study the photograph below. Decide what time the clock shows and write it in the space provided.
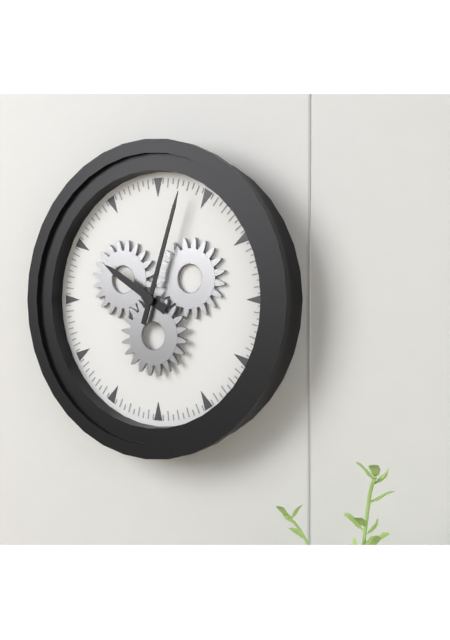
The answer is 10:03
